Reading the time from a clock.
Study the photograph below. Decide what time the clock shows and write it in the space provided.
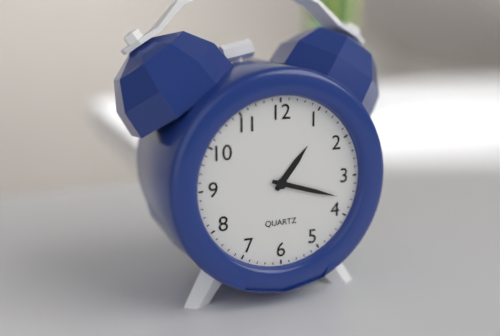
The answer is 1:18
